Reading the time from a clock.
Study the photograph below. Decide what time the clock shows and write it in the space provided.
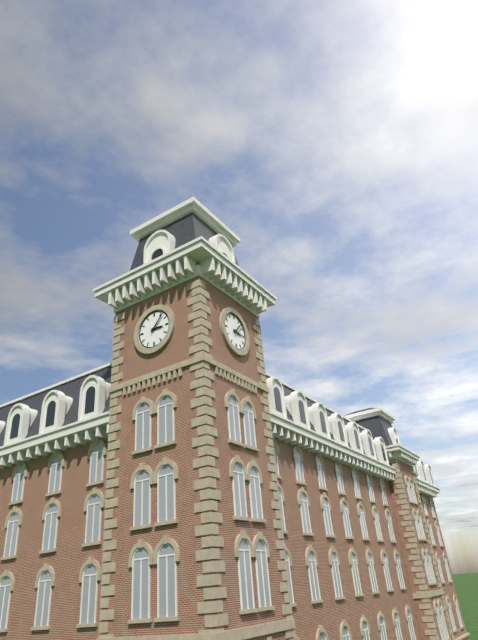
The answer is 3:07
